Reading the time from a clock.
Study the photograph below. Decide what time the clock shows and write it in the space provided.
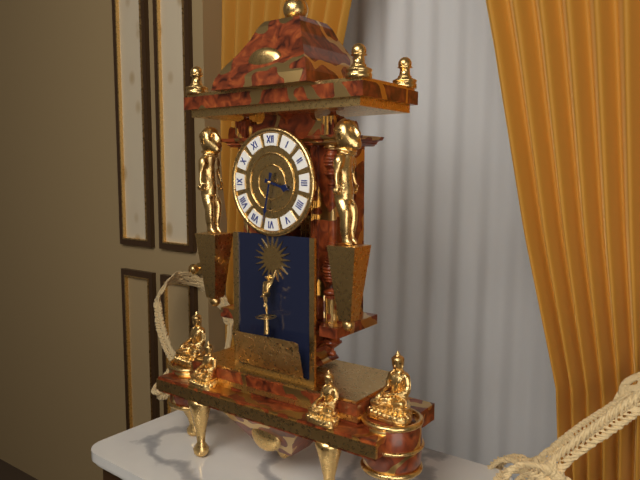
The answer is 3:32
